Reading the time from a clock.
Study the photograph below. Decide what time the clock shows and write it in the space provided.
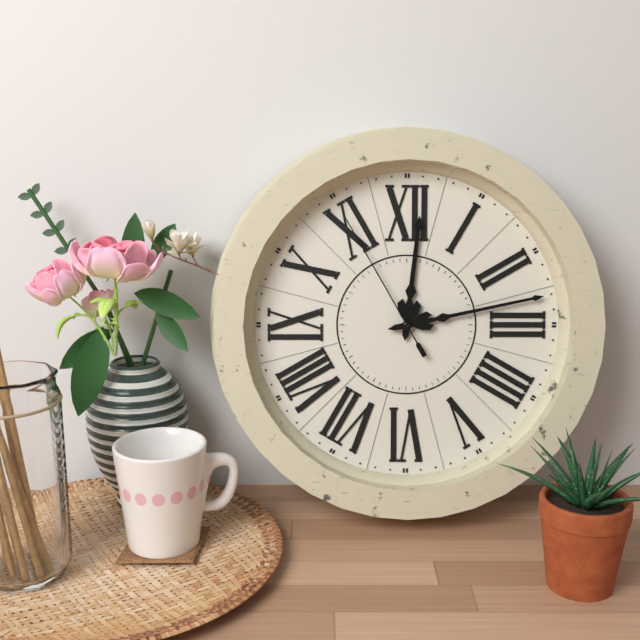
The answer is 12:13:55
